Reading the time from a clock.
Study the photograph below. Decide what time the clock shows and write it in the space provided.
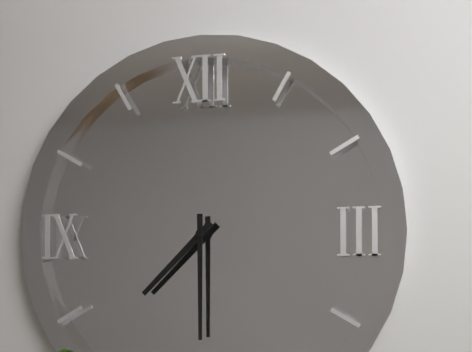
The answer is 7:30
